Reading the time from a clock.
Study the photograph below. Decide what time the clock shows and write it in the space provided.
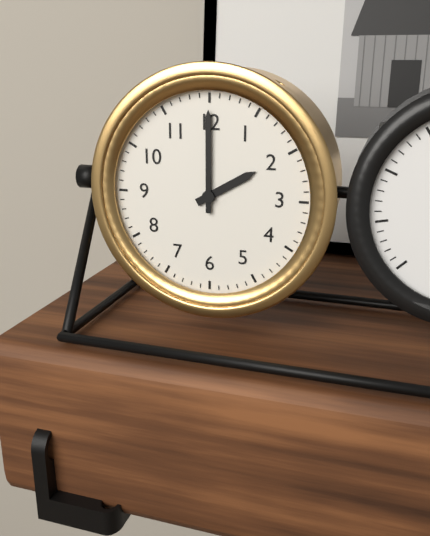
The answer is 2:00
